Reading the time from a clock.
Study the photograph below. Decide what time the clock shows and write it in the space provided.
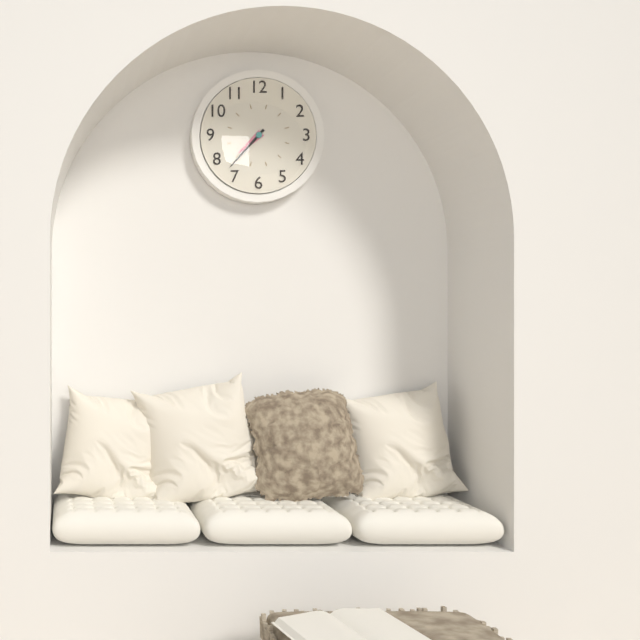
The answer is 7:37
